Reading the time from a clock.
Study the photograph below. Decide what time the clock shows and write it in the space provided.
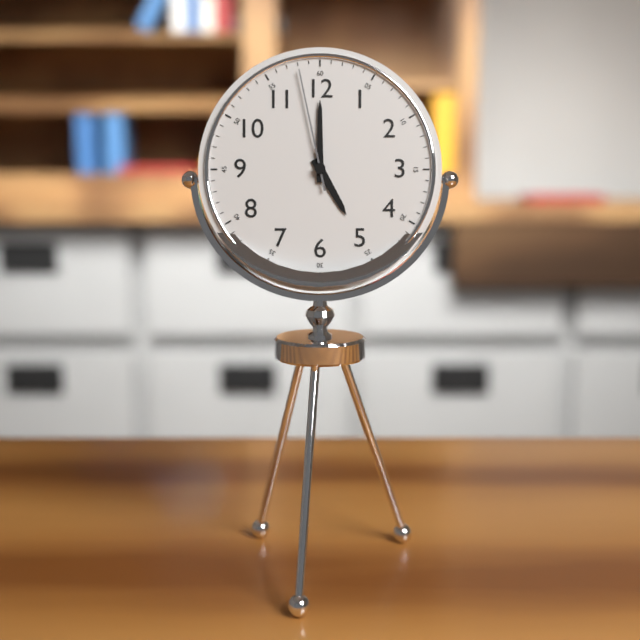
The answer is 5:00:58
